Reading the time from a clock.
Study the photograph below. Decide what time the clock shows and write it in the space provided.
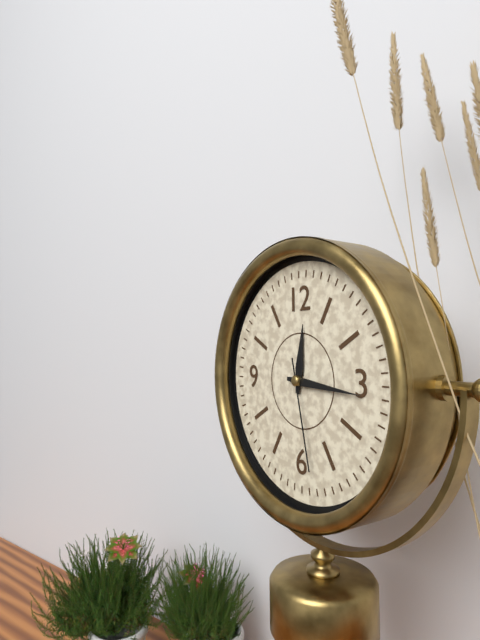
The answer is 12:16:28
